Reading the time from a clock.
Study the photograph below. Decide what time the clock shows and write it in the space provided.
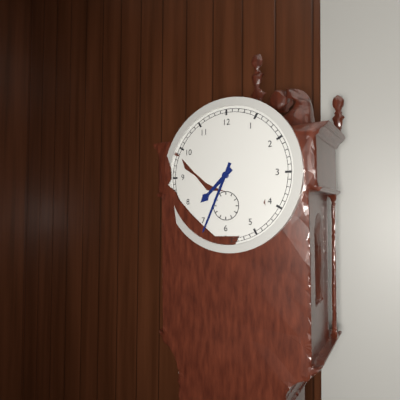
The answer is 7:34
